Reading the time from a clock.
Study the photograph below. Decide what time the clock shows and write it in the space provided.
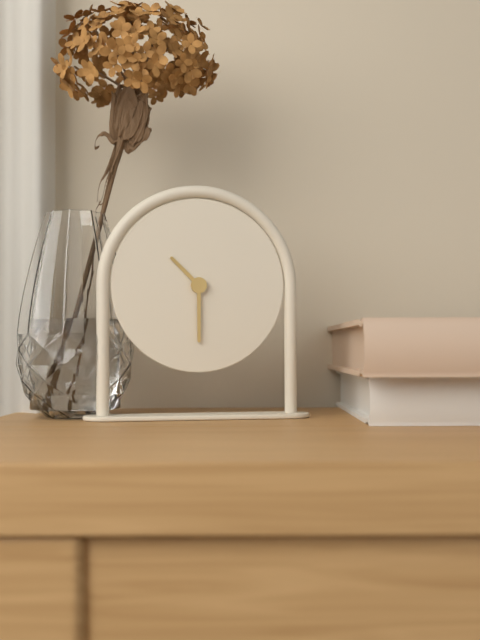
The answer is 10:30
